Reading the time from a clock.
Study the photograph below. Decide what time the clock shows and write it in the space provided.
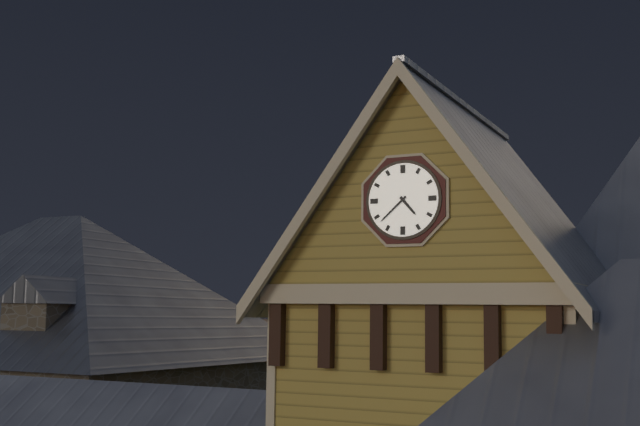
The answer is 4:38
